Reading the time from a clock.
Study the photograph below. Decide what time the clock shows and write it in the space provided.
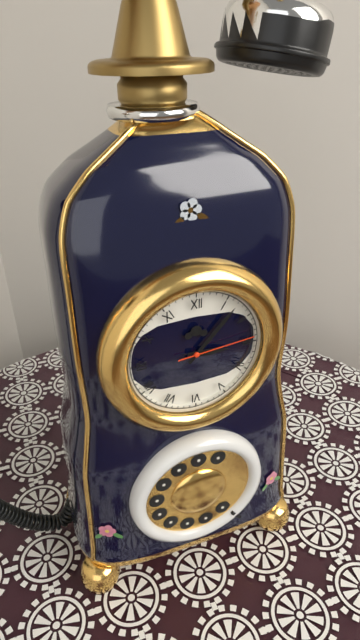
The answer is 3:07:14
